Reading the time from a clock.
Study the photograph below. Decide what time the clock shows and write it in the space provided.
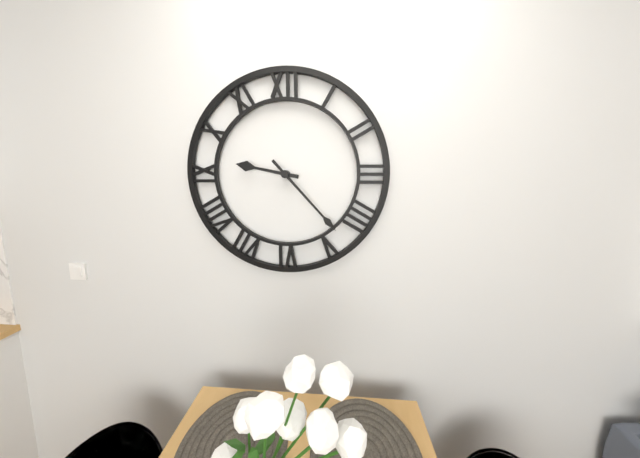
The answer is 9:23
